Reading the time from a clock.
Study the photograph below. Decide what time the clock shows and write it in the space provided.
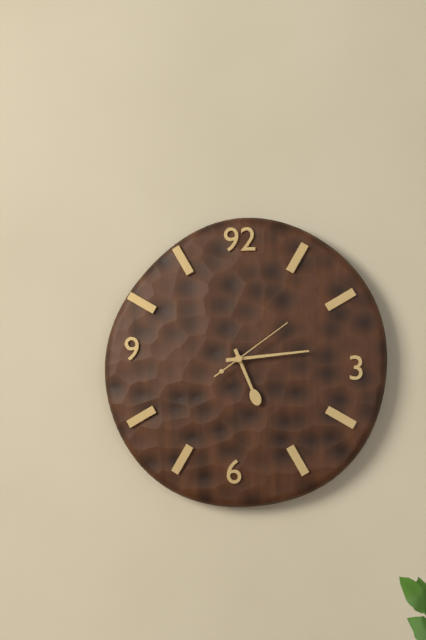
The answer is 5:14:09
